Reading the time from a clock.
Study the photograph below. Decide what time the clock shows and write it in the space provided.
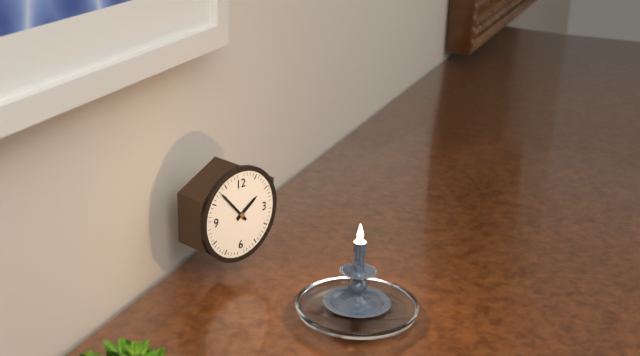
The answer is 1:53
